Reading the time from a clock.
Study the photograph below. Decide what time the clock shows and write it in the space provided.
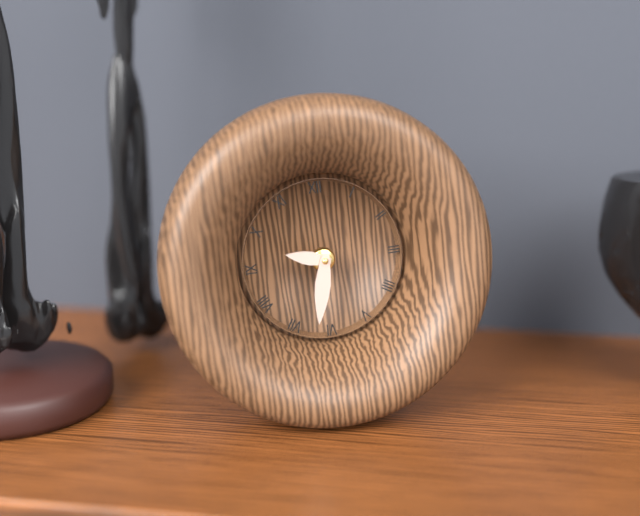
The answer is 9:32
